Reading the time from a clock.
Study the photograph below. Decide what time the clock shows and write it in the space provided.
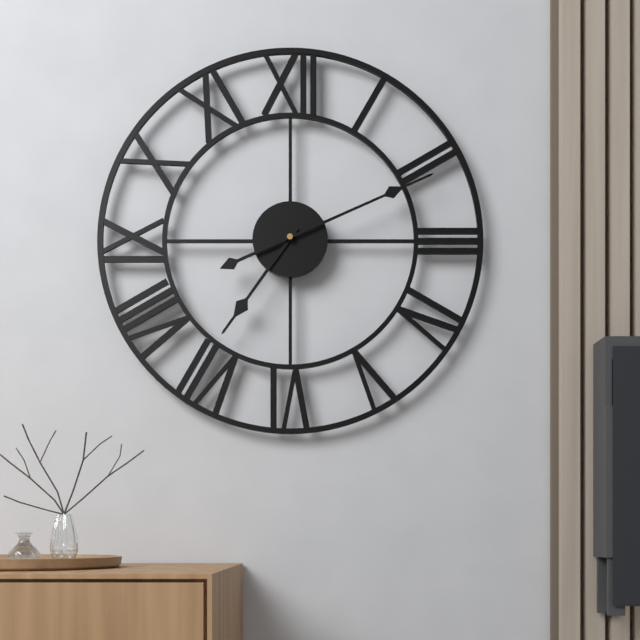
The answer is 7:11
